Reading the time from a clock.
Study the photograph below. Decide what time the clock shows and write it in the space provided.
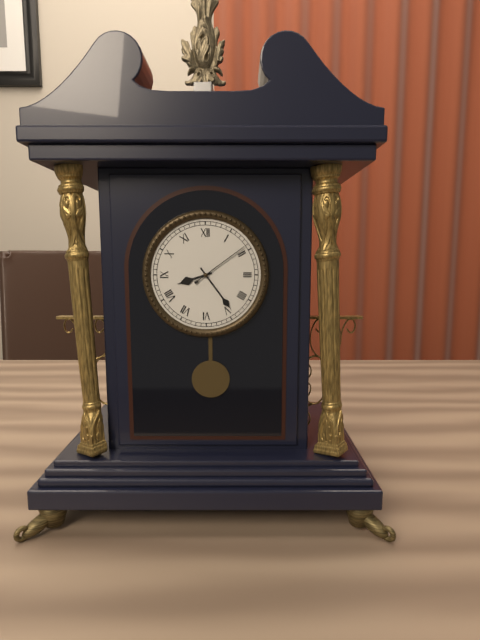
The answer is 8:24:09
